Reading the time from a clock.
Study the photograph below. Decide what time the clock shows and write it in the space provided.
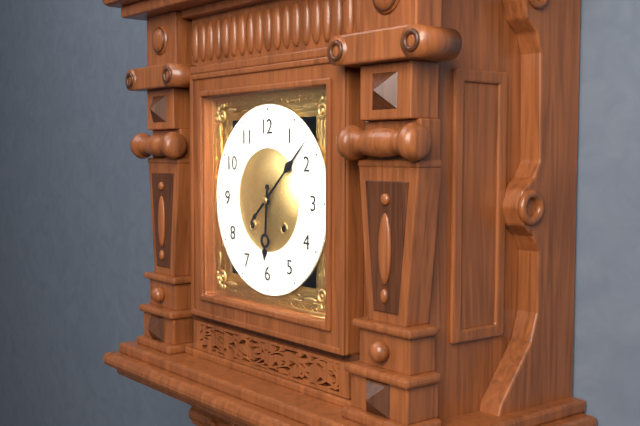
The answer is 6:08
